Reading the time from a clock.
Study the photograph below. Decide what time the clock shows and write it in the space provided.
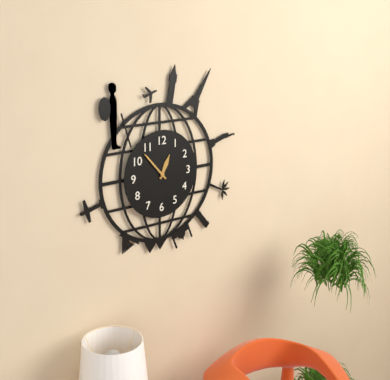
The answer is 12:53
